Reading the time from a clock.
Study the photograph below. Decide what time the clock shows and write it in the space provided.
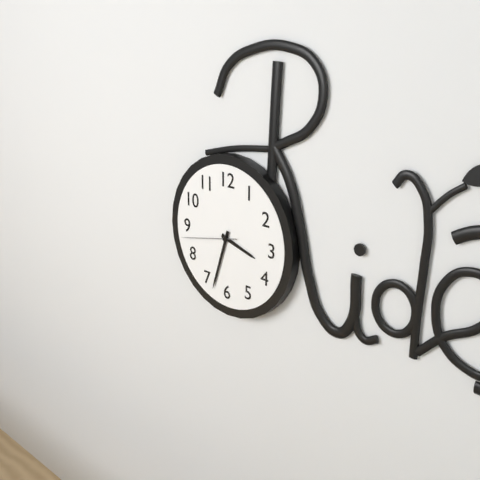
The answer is 3:33:43
